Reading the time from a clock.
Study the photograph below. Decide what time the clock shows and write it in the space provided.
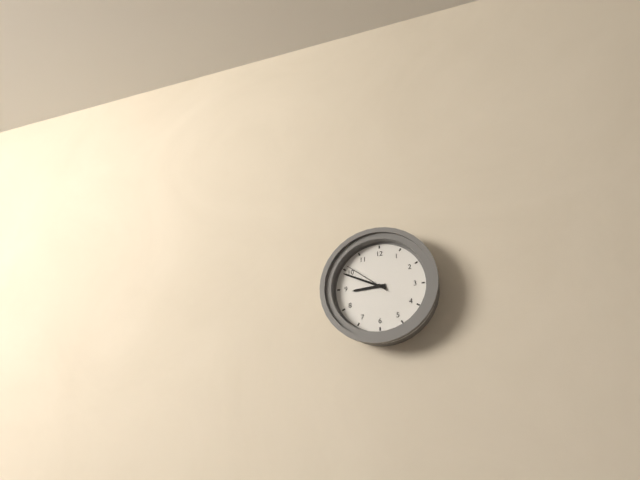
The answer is 8:49:51
